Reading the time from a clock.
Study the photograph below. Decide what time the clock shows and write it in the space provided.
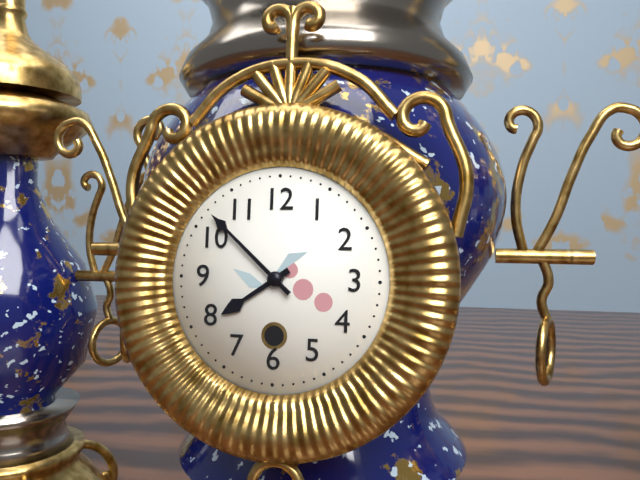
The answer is 7:52
